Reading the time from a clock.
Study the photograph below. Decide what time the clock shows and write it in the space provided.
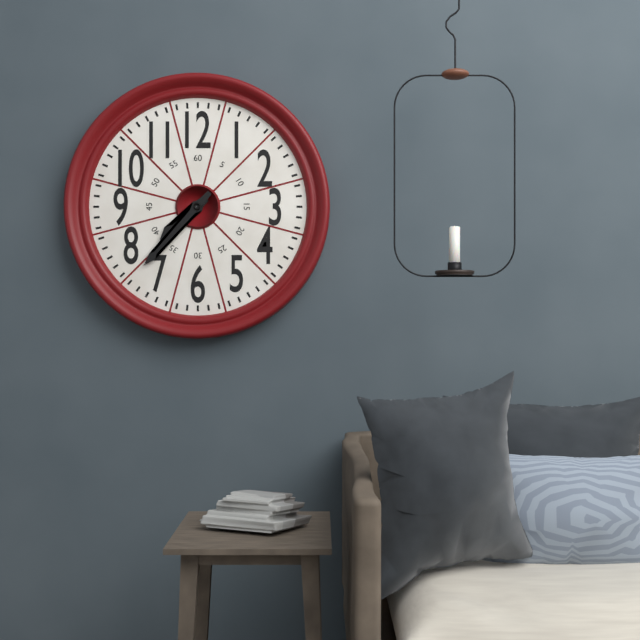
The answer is 7:37
